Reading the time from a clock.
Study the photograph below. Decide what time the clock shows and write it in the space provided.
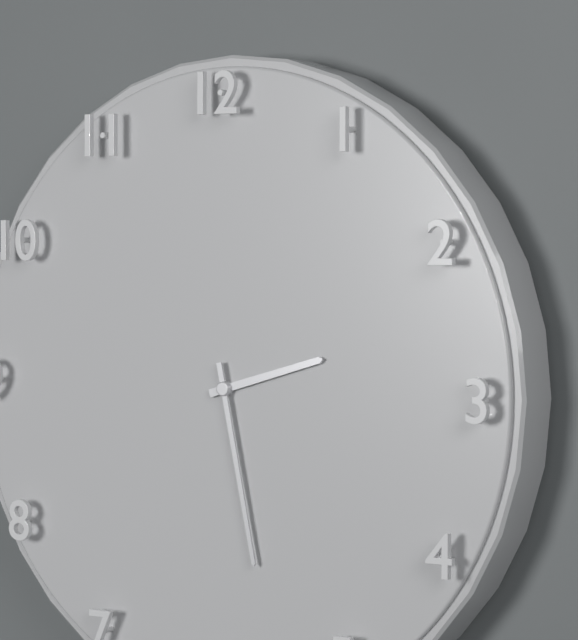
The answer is 2:28
